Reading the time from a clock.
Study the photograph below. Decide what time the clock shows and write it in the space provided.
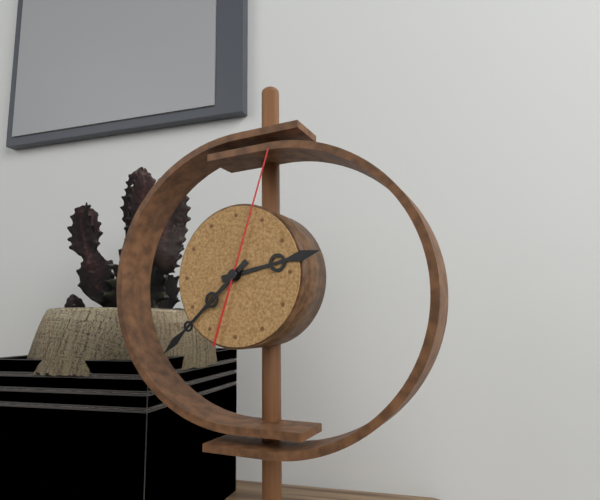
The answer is 2:38:03
